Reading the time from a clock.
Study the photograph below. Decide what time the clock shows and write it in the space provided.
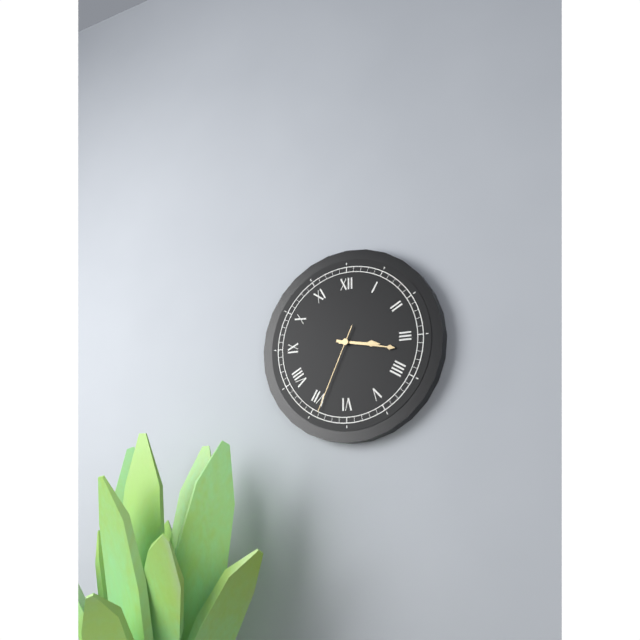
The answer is 3:17:34
